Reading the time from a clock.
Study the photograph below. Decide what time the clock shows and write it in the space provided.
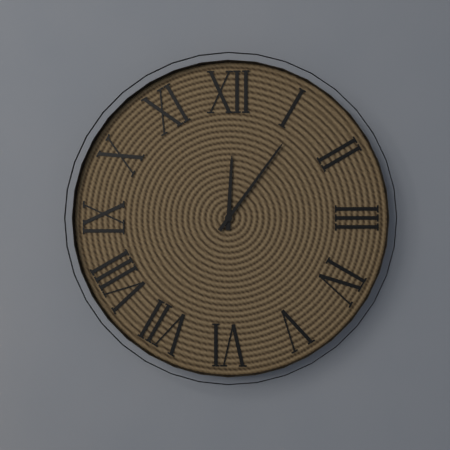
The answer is 12:06
